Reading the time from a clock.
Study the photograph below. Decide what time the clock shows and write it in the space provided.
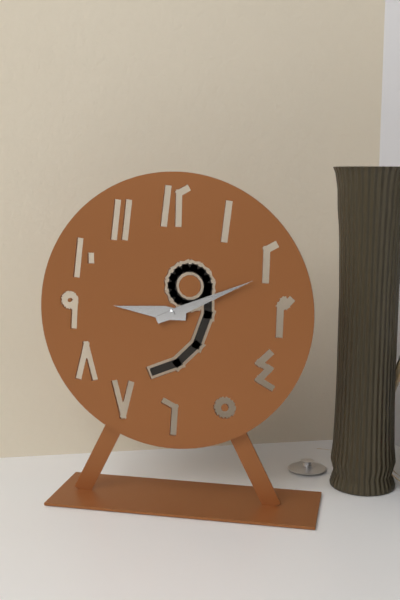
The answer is 9:11
